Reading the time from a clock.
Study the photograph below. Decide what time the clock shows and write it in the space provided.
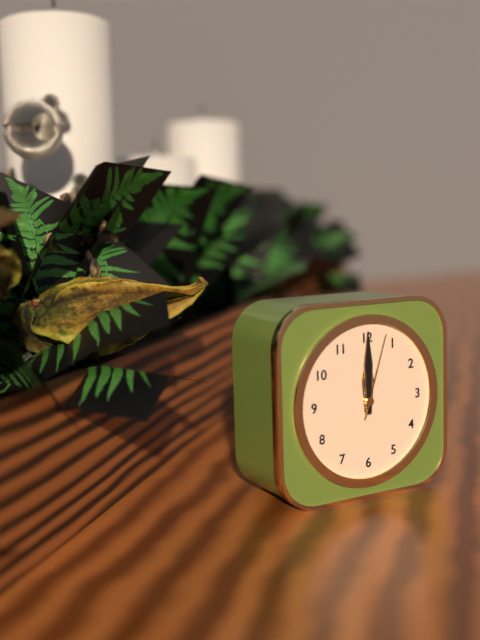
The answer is 12:00:03
